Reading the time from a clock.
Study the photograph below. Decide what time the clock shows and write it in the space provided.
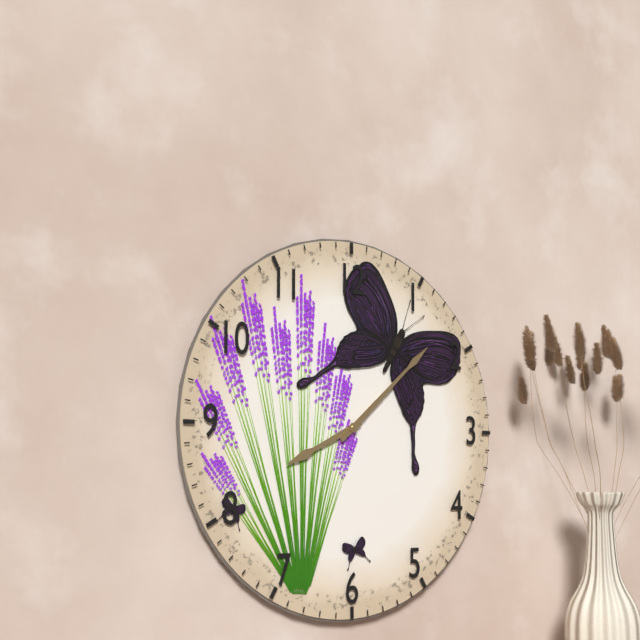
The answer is 8:08
